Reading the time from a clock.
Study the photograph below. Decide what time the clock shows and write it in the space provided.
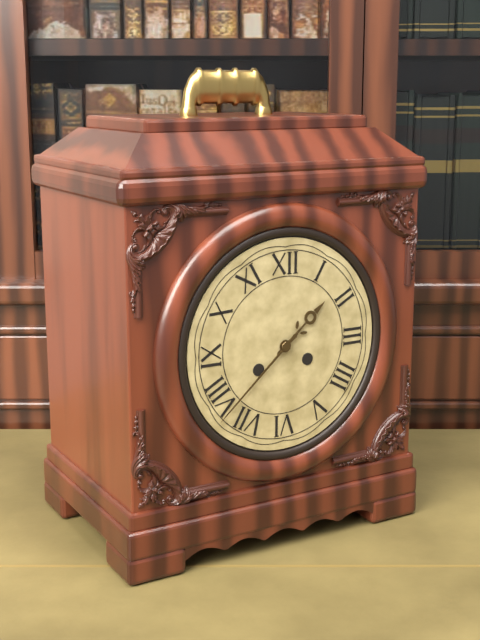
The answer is 1:38
